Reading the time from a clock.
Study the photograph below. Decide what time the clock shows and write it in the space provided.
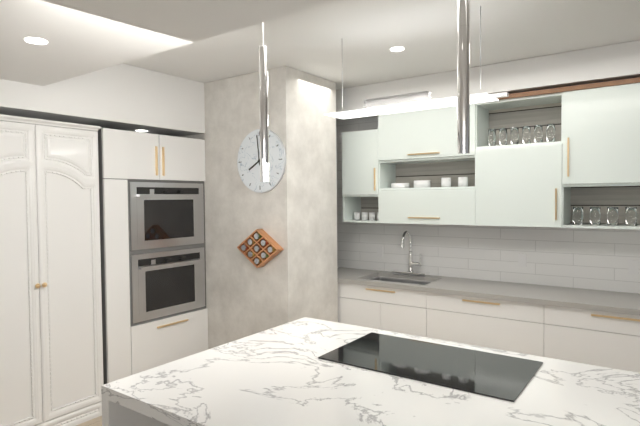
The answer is 7:59
